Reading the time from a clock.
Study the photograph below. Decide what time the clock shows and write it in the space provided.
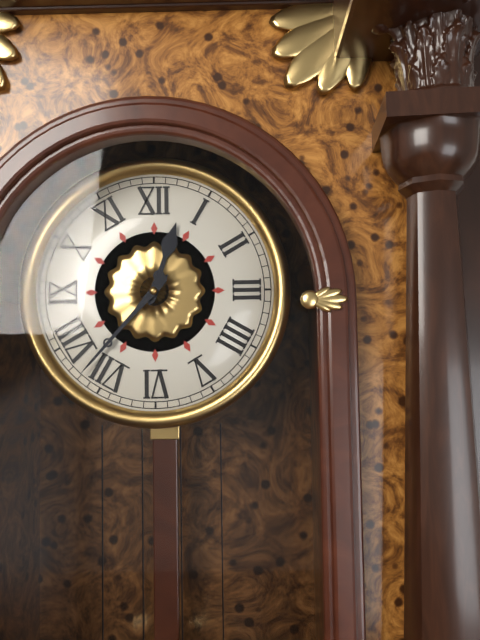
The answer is 12:37
